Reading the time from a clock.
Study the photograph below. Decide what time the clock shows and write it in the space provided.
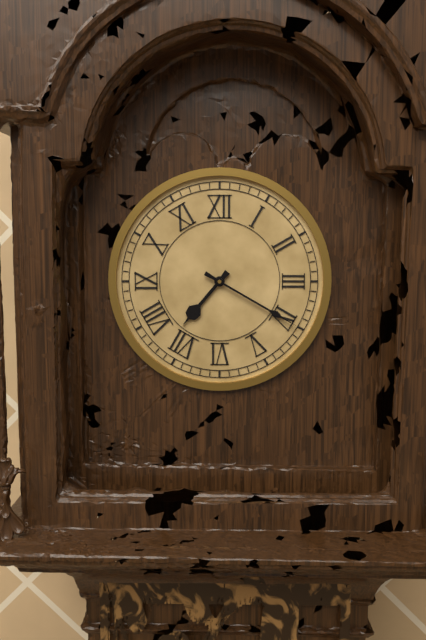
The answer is 7:20
